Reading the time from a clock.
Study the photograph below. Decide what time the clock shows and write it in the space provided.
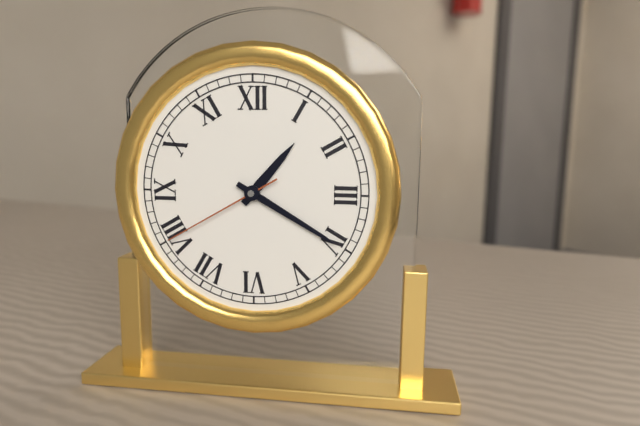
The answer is 1:20:40
